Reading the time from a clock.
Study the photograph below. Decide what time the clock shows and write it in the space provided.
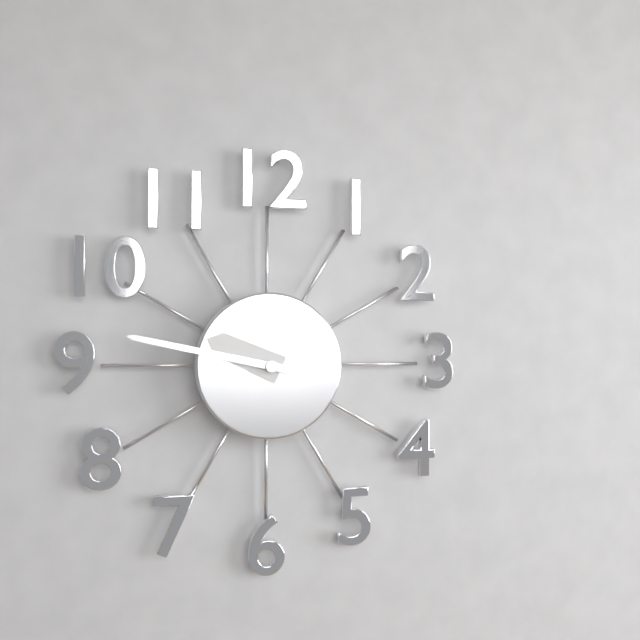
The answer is 9:47
